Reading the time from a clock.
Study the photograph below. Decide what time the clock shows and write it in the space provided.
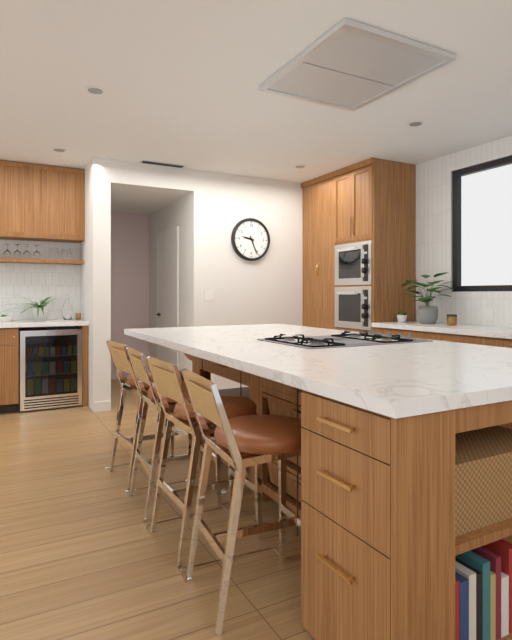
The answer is 9:26
